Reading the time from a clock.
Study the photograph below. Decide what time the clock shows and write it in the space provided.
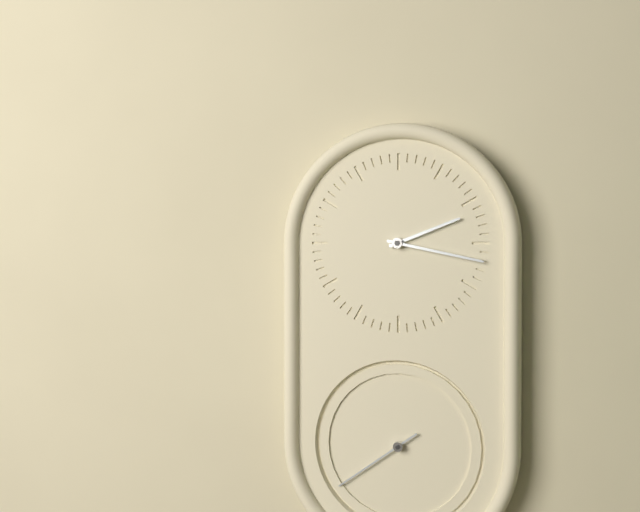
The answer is 2:17:39
